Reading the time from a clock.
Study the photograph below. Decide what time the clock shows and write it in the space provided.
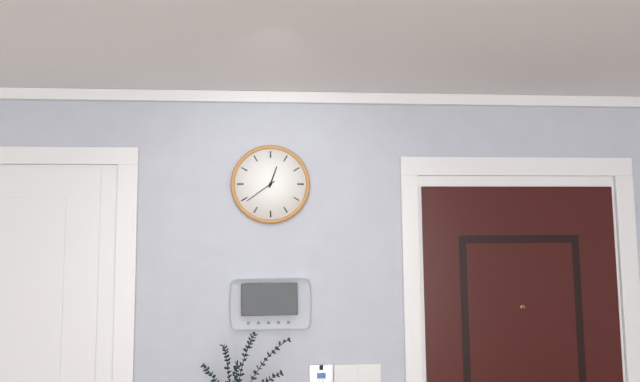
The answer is 12:39
